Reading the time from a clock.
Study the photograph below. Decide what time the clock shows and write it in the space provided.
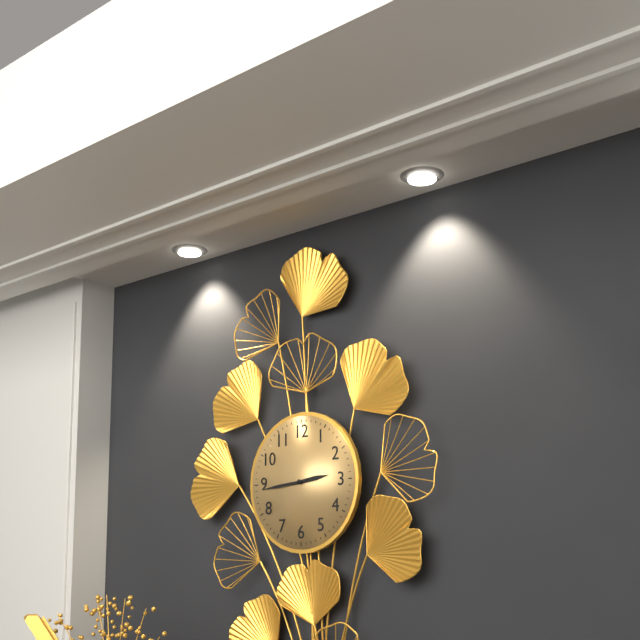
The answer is 2:44
